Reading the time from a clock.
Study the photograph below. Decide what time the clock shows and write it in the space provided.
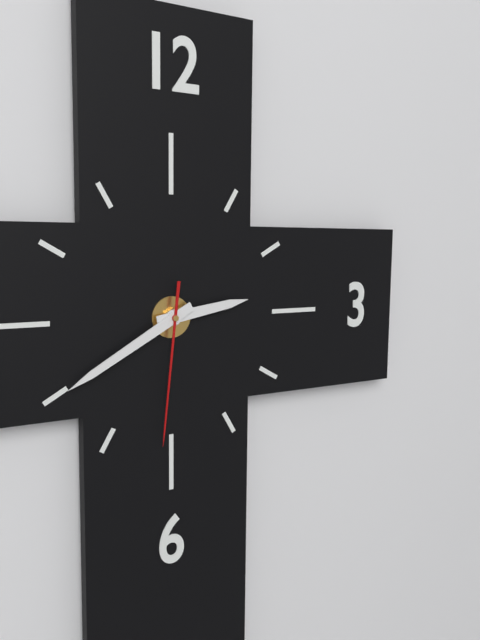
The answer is 2:40:31
